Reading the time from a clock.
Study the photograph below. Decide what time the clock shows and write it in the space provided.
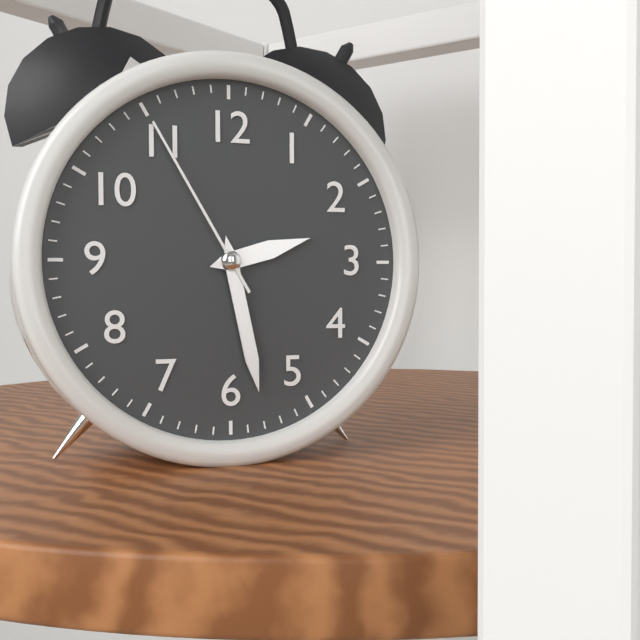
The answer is 2:28:55
